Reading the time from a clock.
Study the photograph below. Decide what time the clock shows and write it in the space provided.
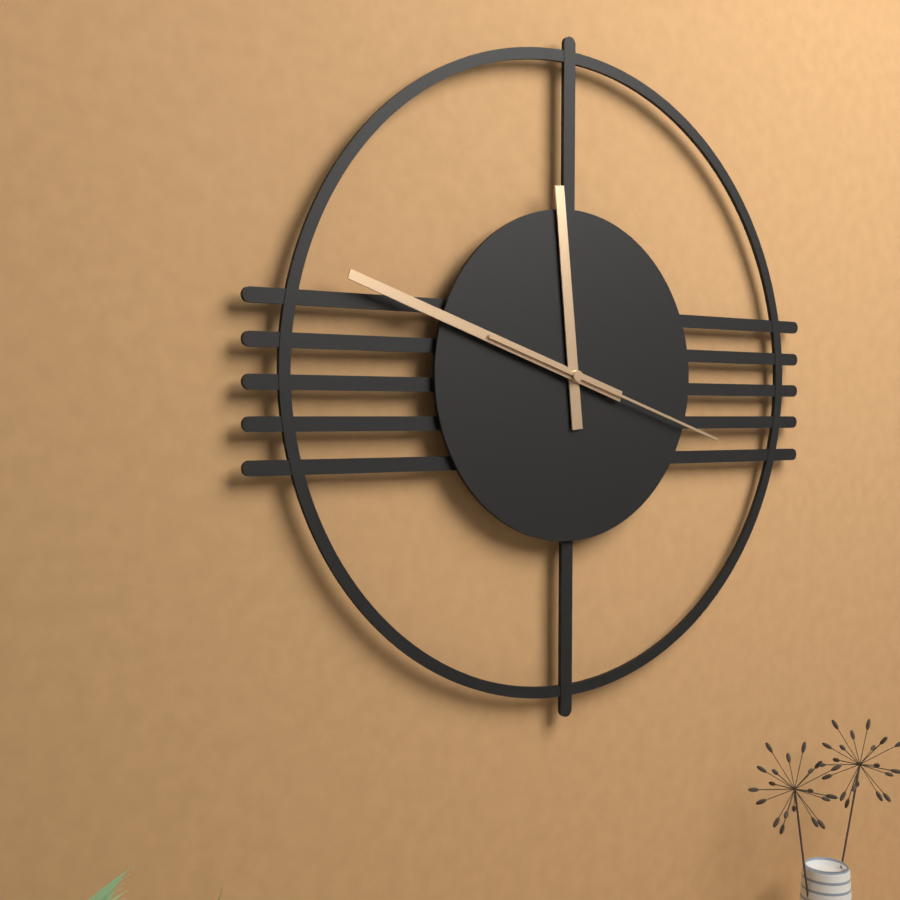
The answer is 11:48:18
